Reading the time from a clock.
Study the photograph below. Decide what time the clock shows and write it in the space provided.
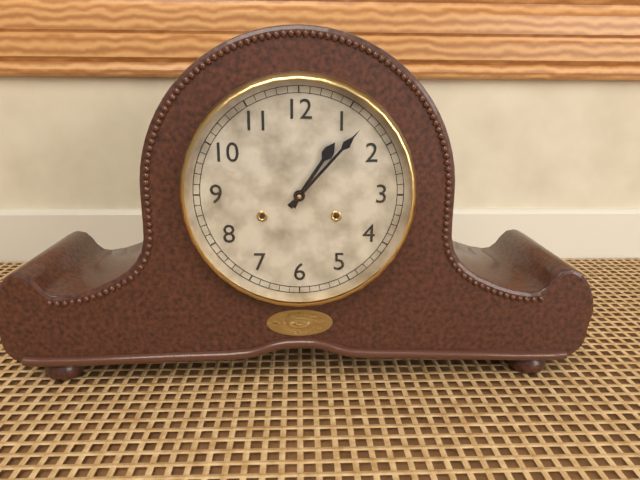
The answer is 1:07
